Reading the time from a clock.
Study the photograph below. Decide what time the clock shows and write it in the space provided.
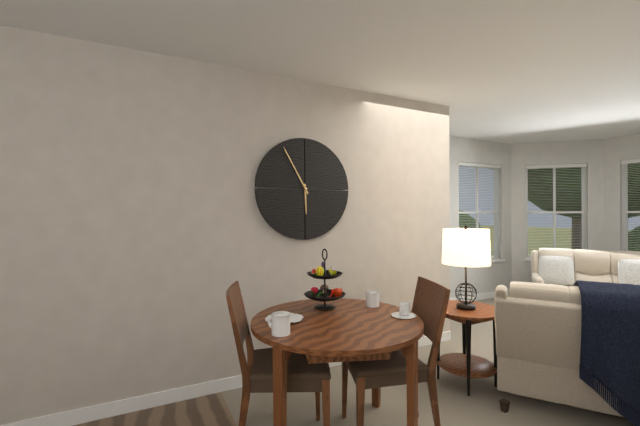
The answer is 5:55
